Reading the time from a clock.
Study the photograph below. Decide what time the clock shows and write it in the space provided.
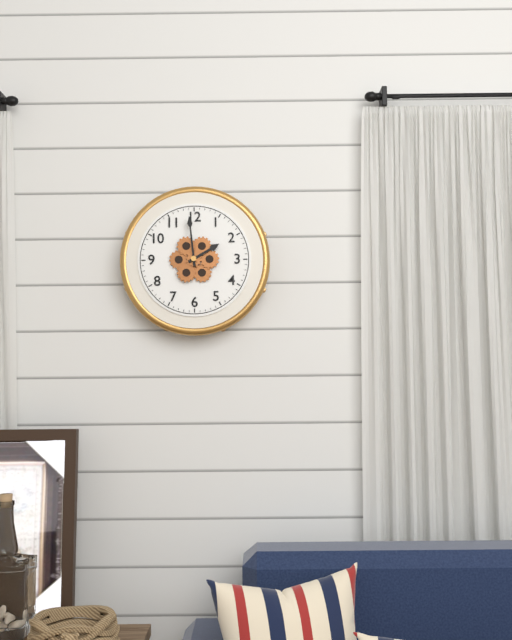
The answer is 1:59
